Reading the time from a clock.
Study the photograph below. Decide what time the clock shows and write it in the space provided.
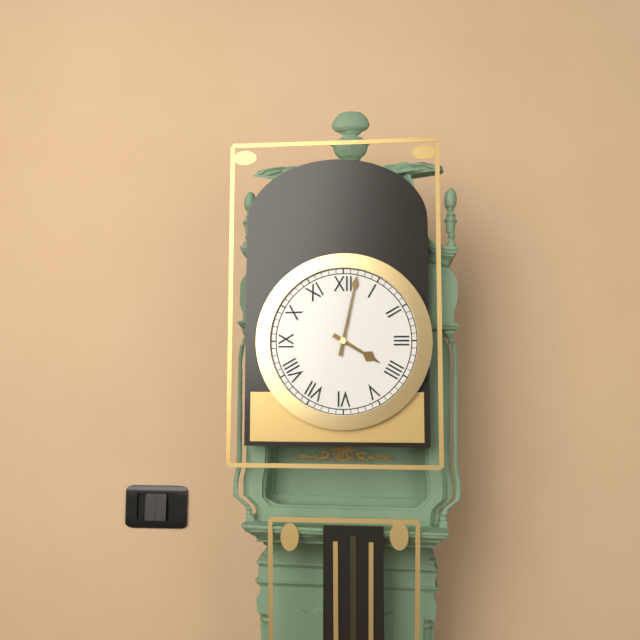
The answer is 4:02
